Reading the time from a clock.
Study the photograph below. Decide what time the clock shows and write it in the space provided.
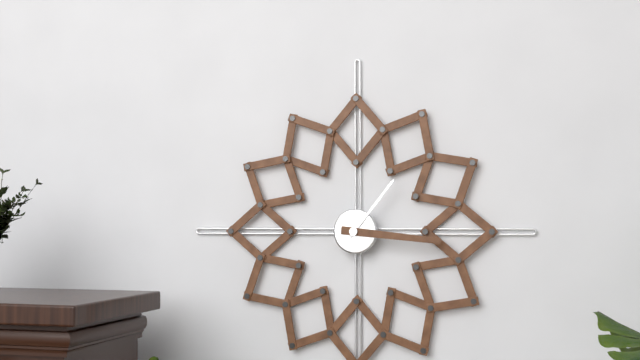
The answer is 1:16
